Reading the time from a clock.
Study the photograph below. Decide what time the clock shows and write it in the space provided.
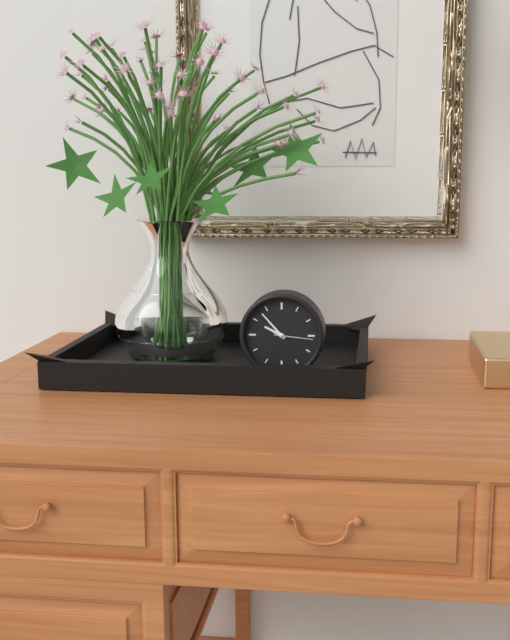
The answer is 9:53
